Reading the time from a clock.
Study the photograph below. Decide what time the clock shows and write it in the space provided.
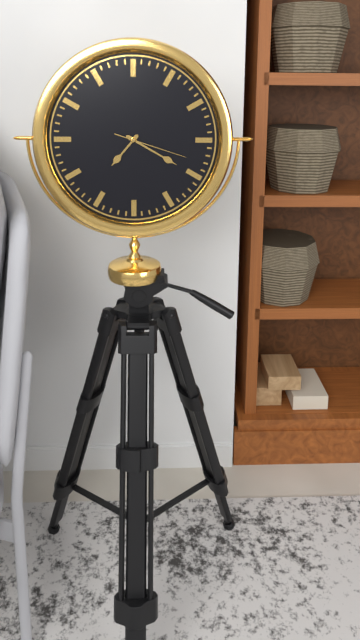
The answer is 7:20:18
